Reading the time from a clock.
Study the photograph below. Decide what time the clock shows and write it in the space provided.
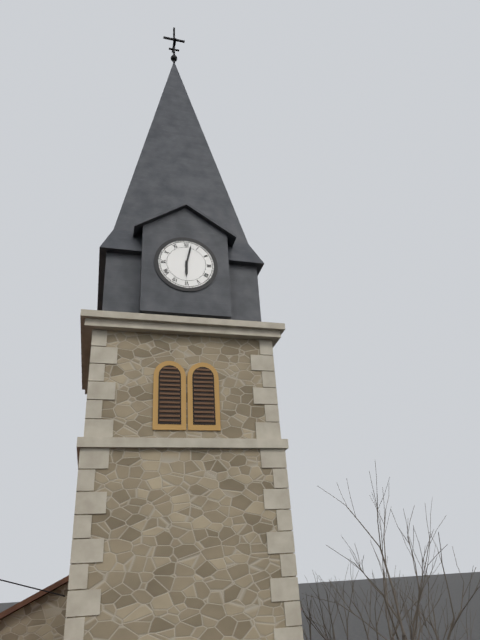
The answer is 6:02
